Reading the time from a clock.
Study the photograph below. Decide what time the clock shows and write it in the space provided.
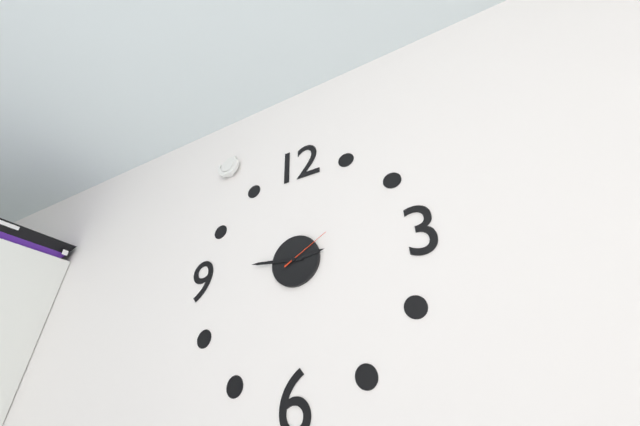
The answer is 2:46:10
